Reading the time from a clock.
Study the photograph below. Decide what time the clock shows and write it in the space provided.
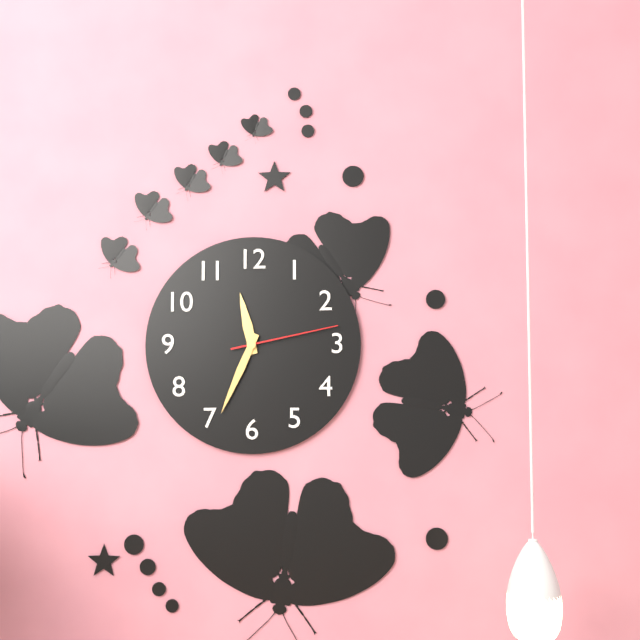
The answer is 11:34:13
